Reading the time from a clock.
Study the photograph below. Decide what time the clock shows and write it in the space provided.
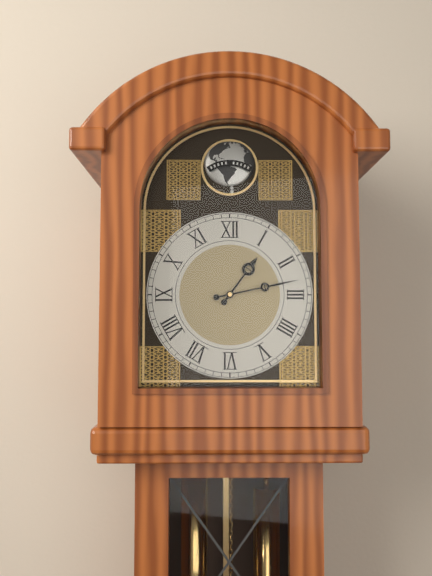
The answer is 1:13
